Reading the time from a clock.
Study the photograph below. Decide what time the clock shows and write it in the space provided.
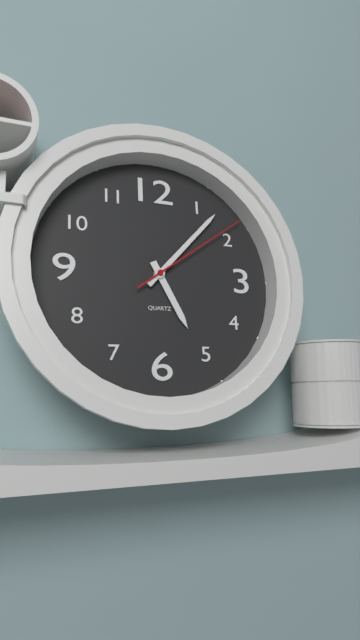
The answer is 5:07:09
